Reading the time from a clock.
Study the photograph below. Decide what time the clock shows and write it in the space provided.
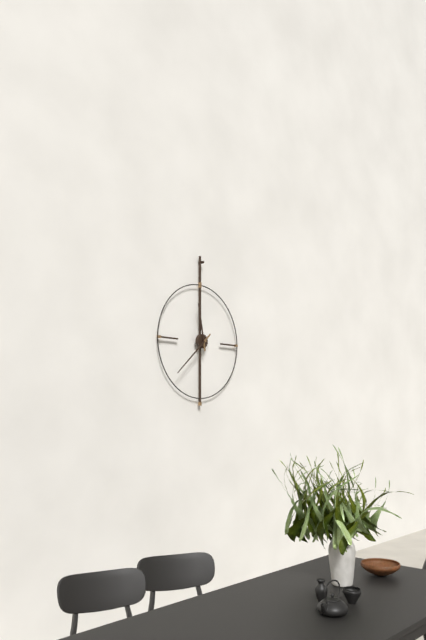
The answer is 11:38
